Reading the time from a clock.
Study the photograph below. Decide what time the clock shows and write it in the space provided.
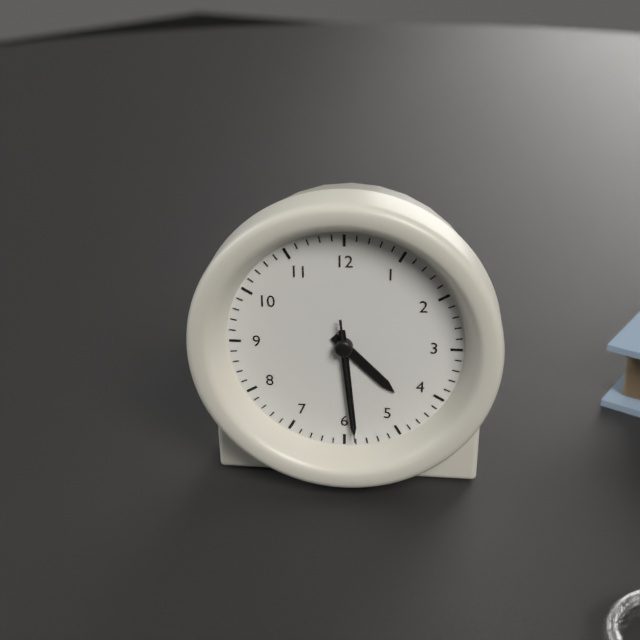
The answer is 4:29:29
